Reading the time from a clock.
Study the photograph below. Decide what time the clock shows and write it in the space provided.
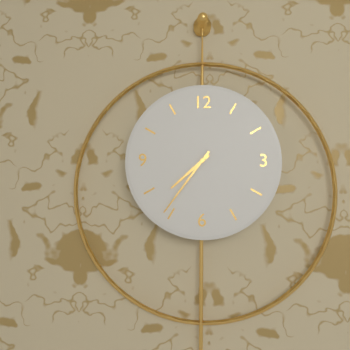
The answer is 7:36
